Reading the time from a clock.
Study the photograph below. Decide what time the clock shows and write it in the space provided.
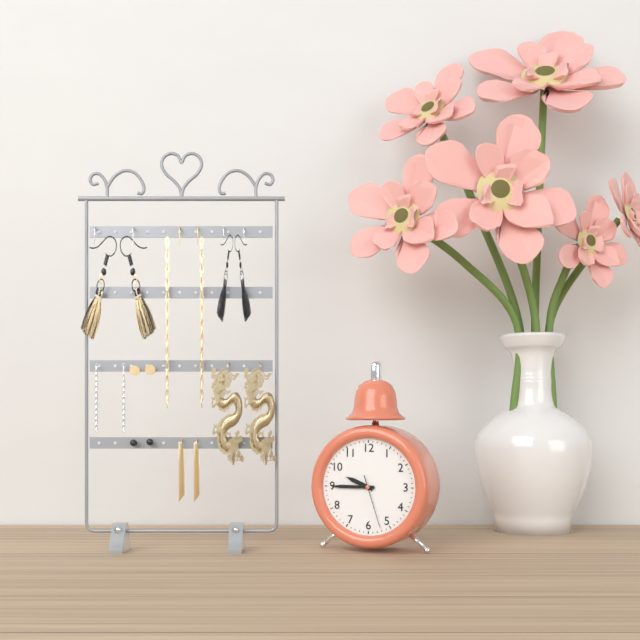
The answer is 9:45:27
